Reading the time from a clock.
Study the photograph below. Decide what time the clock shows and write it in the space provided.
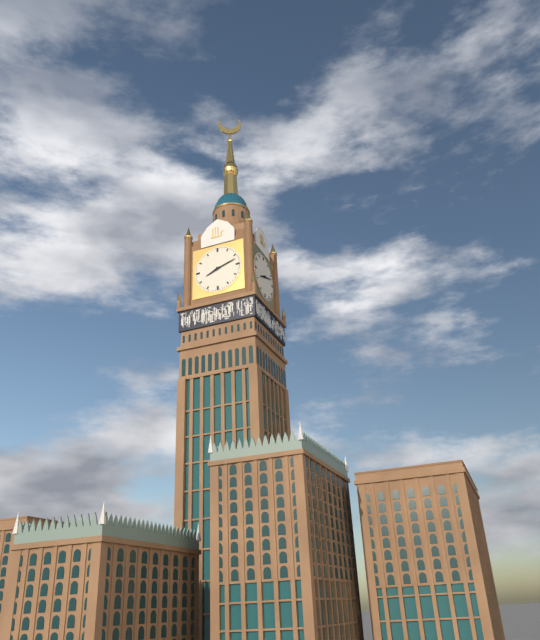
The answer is 8:12
